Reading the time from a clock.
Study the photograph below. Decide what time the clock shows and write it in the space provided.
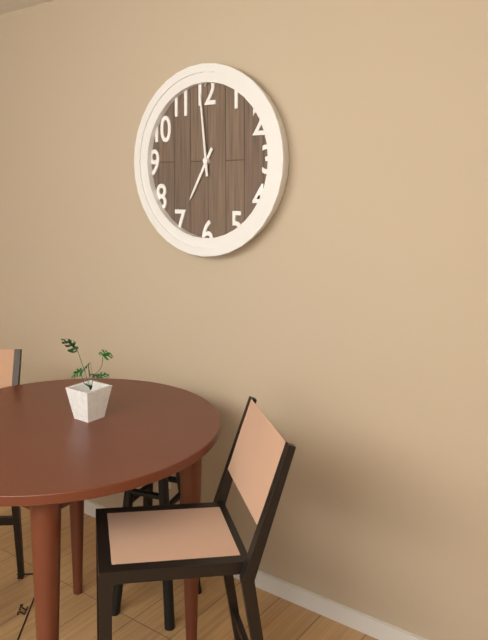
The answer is 6:59
